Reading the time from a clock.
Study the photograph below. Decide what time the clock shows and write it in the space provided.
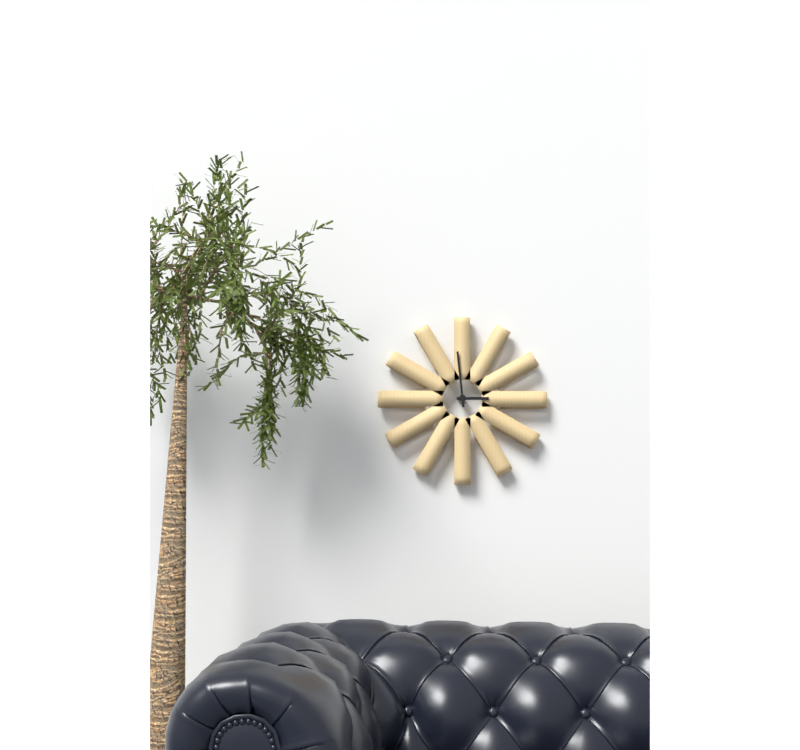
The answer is 2:59
